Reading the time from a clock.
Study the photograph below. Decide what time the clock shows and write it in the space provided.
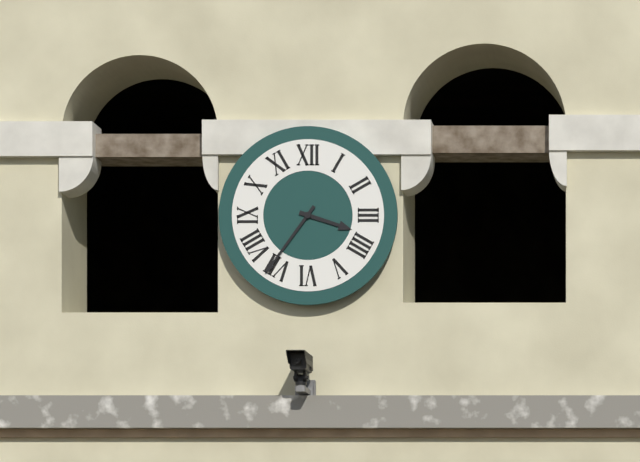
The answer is 3:36
